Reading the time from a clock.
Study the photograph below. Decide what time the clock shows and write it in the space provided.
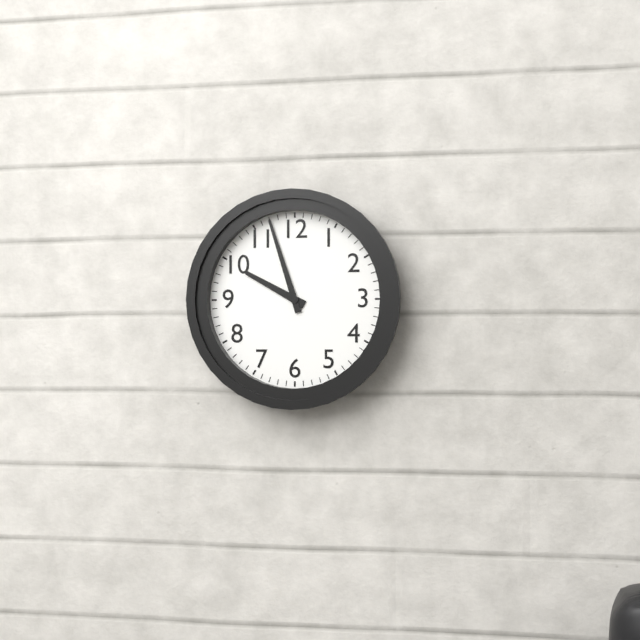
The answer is 9:57
